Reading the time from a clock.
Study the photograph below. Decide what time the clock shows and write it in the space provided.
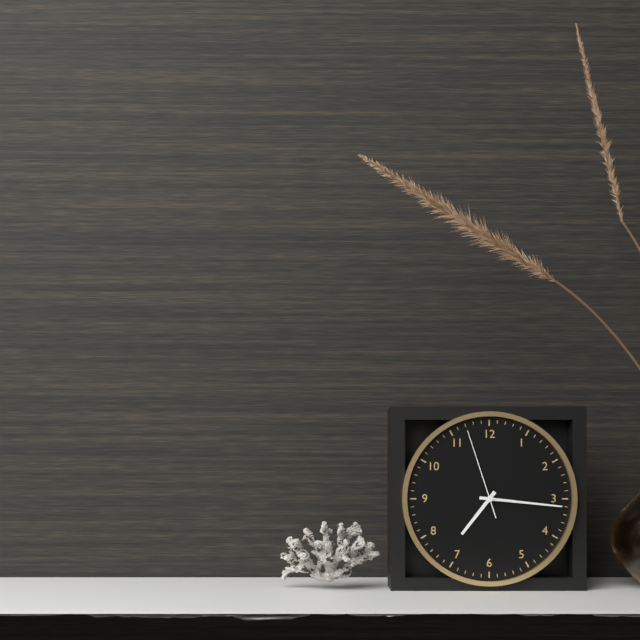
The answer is 7:16:57
